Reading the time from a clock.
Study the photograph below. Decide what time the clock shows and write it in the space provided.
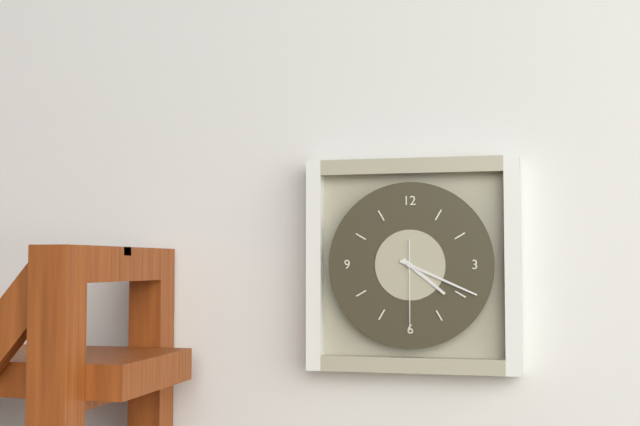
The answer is 4:19:30
